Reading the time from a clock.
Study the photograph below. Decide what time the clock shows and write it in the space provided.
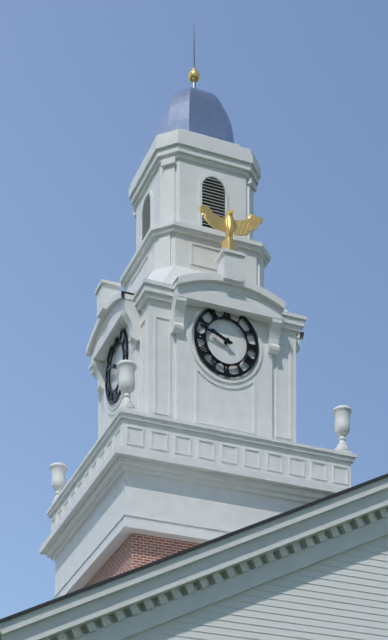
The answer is 9:48
